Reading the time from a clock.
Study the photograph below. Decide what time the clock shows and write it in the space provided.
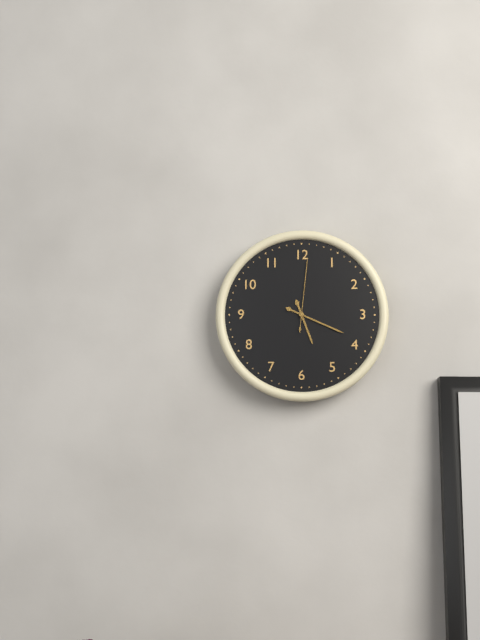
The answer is 5:19:01
